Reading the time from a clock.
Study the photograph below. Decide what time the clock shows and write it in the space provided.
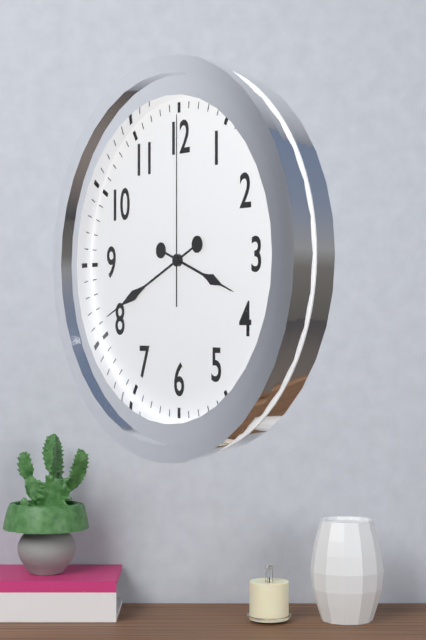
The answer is 3:41:00
